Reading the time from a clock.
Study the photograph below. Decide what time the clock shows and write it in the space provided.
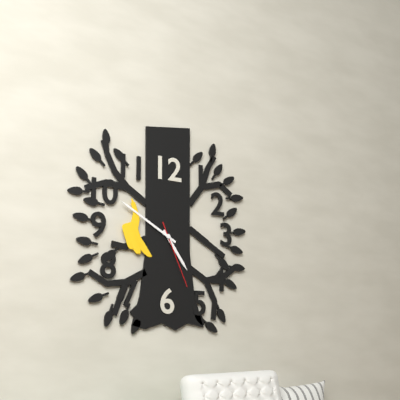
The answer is 4:50:26
